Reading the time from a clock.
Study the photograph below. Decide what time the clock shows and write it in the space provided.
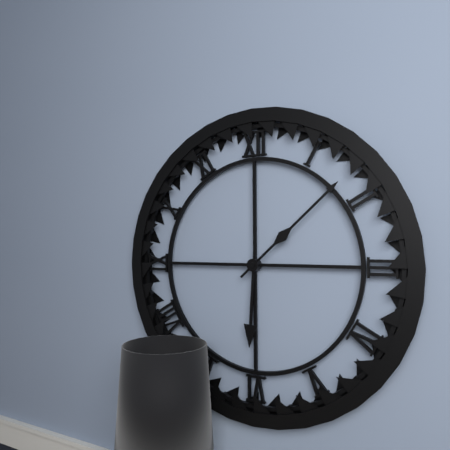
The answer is 6:08
